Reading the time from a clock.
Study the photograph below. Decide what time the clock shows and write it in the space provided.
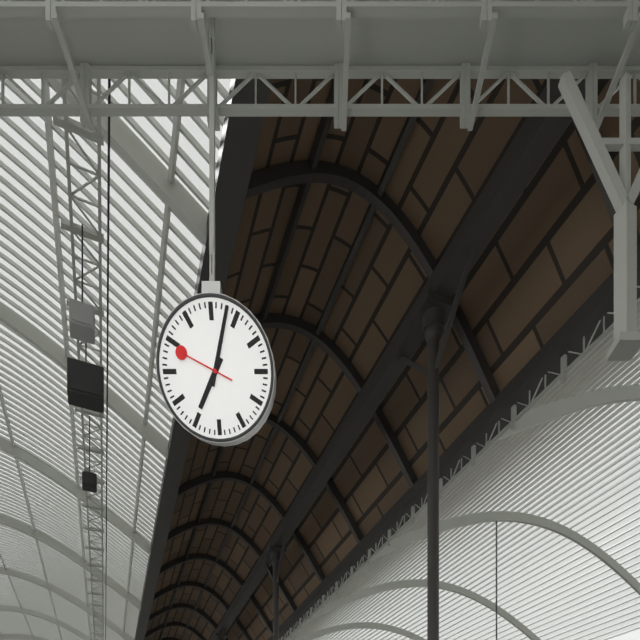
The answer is 7:03:49
